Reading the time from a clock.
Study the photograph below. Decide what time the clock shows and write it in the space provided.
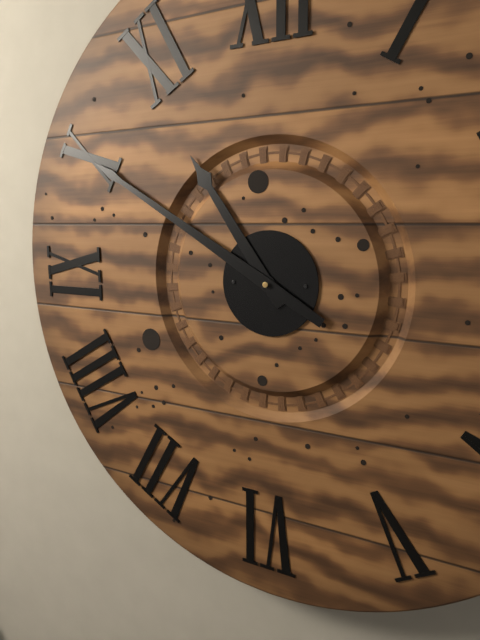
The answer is 10:50
